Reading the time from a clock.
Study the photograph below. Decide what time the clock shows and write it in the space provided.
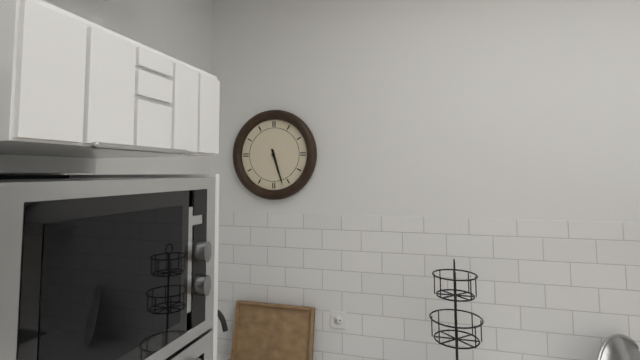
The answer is 5:27
